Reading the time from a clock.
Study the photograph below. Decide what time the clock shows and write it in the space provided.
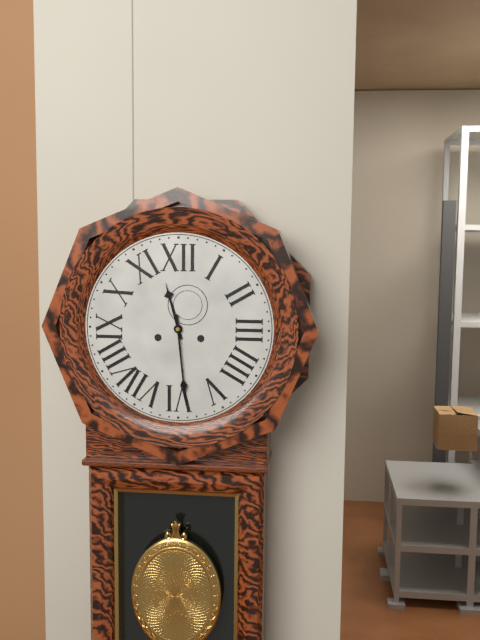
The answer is 11:29
